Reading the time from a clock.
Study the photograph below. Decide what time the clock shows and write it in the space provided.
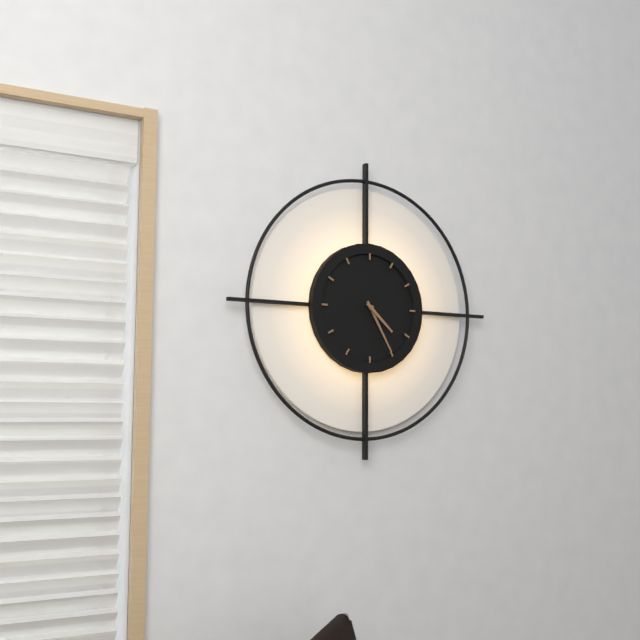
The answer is 4:25
